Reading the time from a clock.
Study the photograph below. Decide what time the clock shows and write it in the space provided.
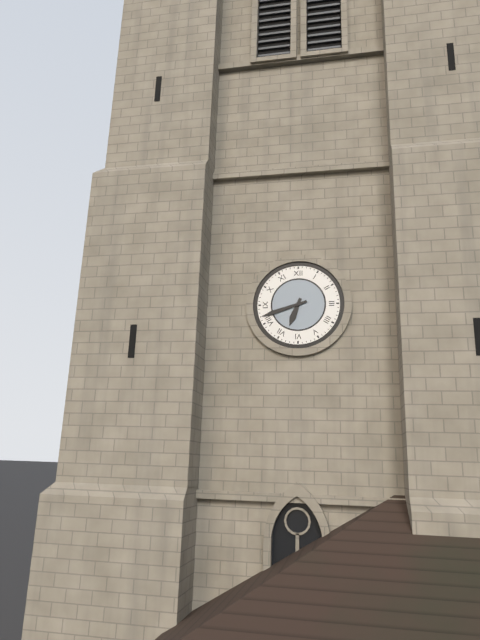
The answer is 6:42
